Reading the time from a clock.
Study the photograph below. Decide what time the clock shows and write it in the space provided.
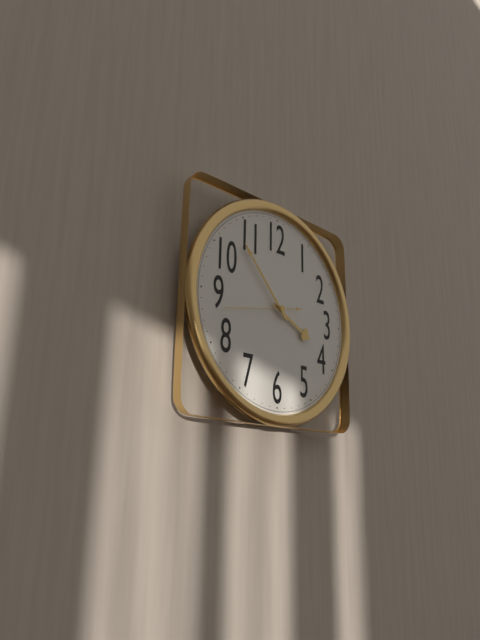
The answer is 3:53:43
